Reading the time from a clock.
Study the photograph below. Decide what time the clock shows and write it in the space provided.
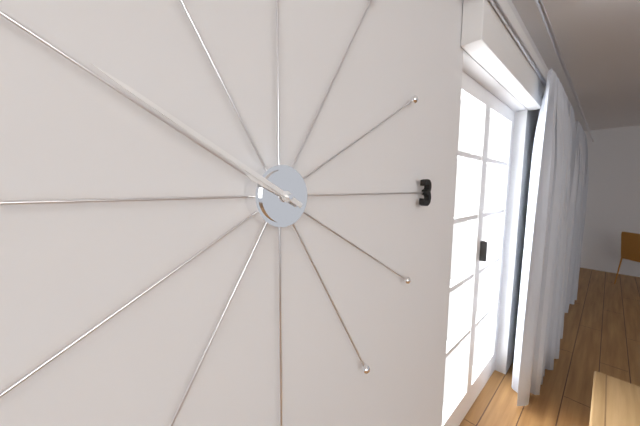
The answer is 9:50
